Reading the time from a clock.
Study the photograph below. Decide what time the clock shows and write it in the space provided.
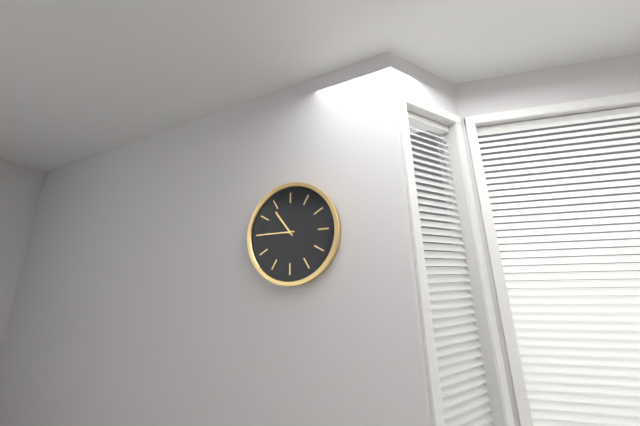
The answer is 10:45
